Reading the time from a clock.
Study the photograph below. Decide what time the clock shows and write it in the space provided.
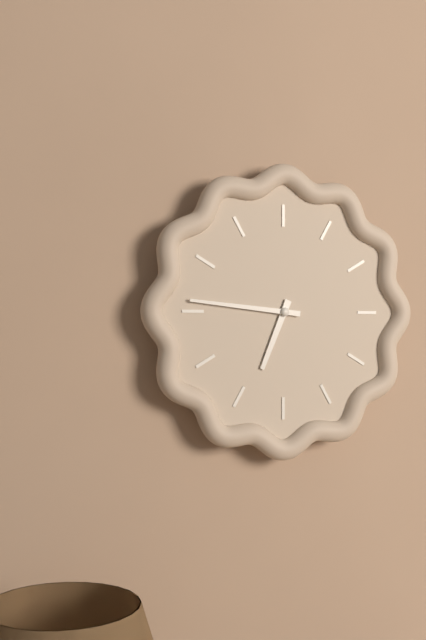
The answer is 6:46
